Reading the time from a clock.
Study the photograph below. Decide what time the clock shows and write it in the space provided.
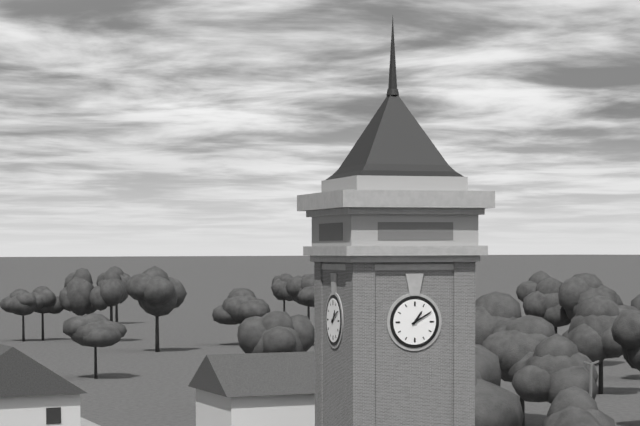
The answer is 1:10
